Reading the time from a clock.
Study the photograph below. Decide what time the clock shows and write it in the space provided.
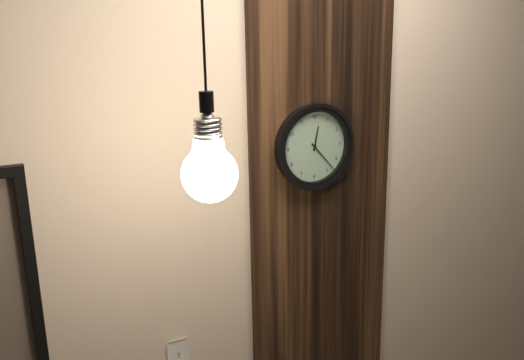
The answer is 12:23
